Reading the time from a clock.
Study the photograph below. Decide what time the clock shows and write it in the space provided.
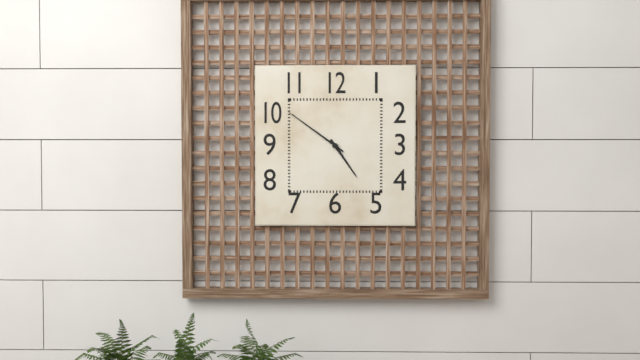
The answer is 4:51
